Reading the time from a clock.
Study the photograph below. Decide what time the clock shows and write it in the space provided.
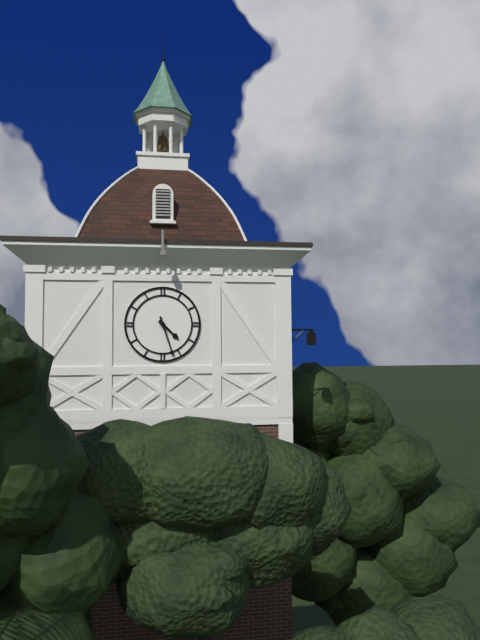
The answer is 4:27
